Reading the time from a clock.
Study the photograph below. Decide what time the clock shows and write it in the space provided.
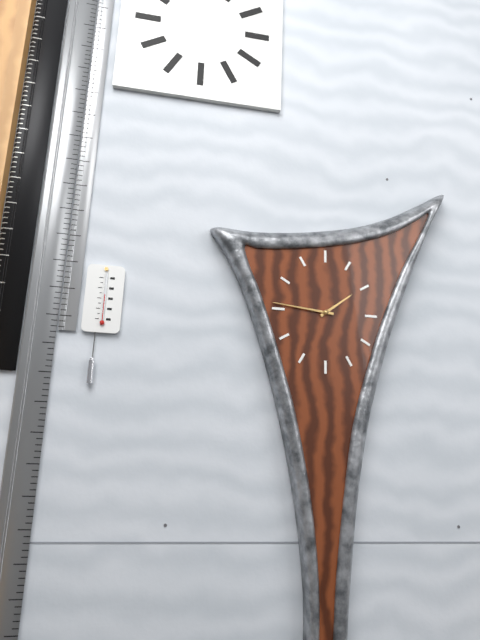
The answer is 1:46
